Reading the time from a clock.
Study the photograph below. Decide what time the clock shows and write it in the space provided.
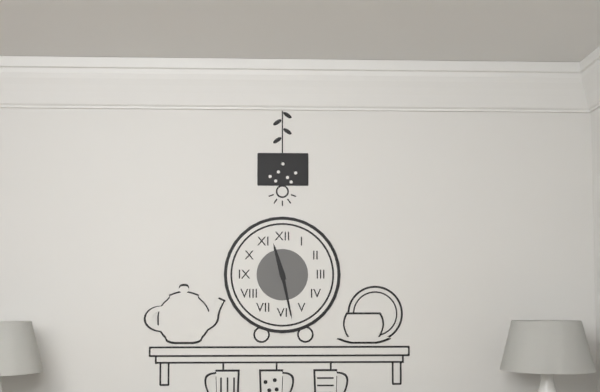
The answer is 11:28
